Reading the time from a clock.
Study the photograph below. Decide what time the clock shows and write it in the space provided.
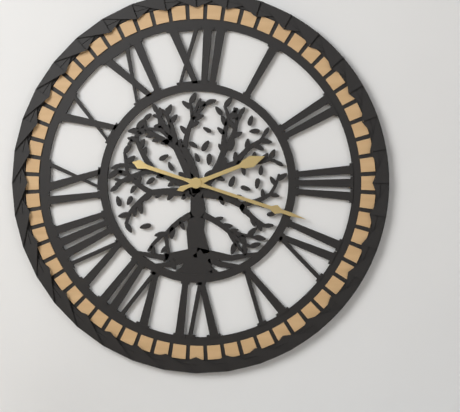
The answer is 2:18
